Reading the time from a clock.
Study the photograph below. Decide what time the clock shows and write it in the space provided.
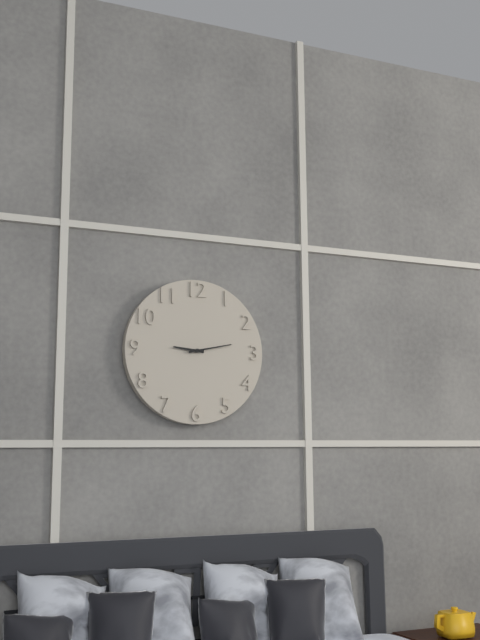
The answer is 9:13
